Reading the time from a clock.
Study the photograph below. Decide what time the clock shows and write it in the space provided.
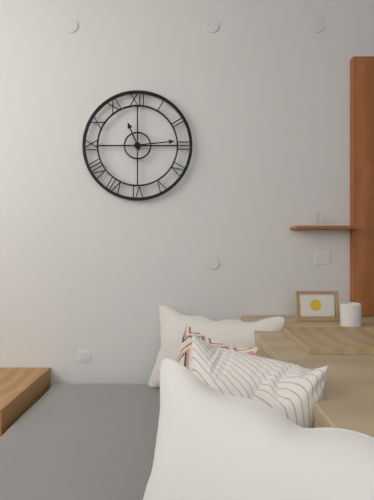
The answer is 11:14
